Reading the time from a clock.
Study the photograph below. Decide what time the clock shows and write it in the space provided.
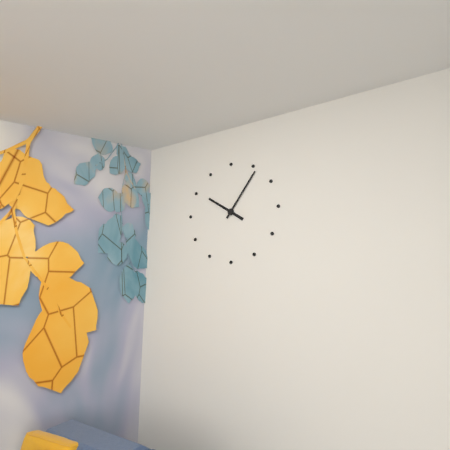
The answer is 10:06
